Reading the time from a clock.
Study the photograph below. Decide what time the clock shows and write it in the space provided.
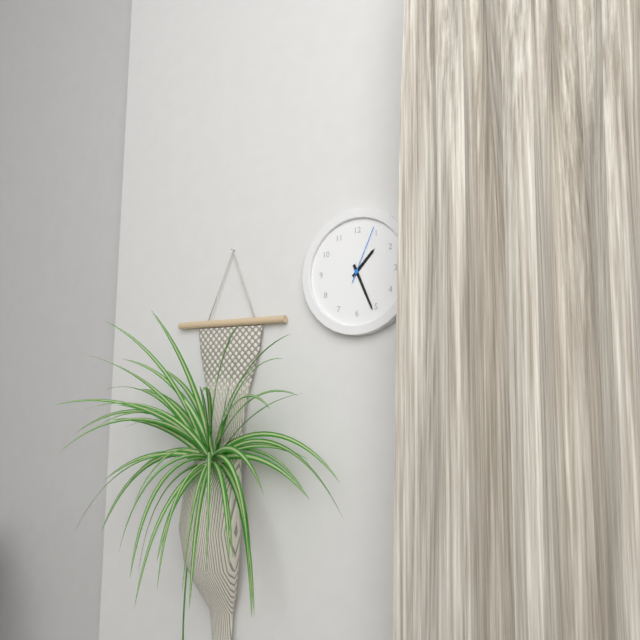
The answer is 1:26:04
